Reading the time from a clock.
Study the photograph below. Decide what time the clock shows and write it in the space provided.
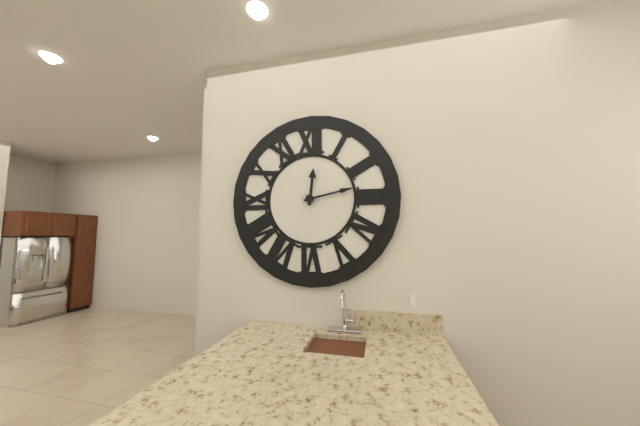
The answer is 12:13
